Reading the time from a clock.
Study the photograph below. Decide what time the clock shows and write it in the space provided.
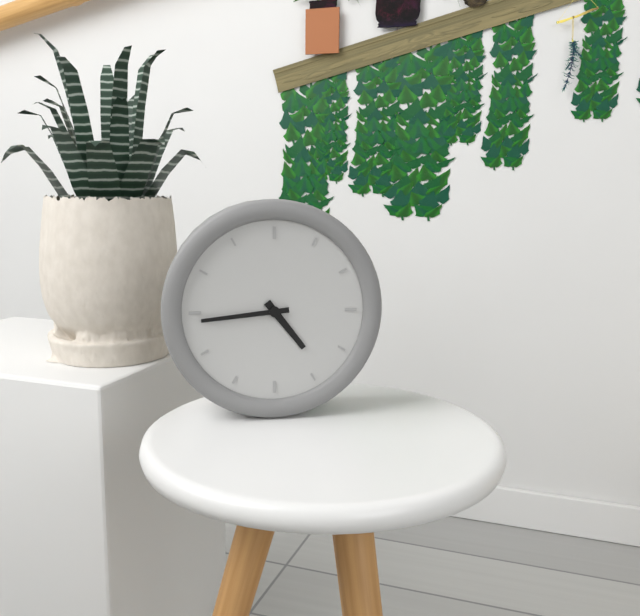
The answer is 4:44
